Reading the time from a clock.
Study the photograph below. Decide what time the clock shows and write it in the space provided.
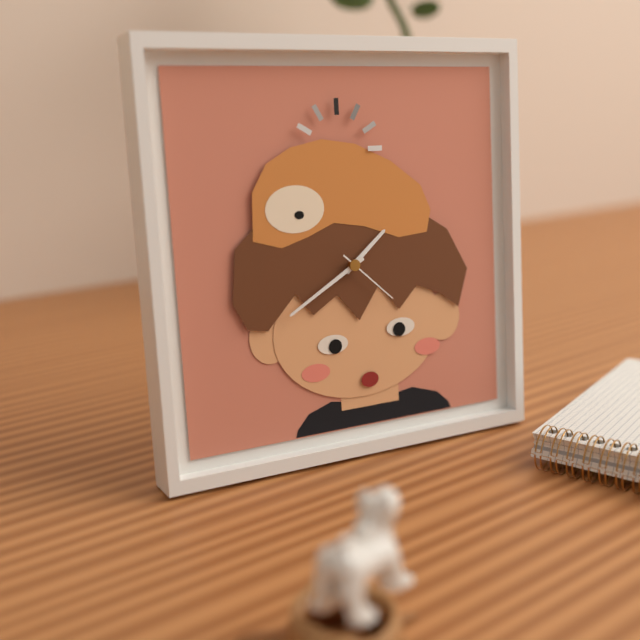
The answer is 1:40:22
